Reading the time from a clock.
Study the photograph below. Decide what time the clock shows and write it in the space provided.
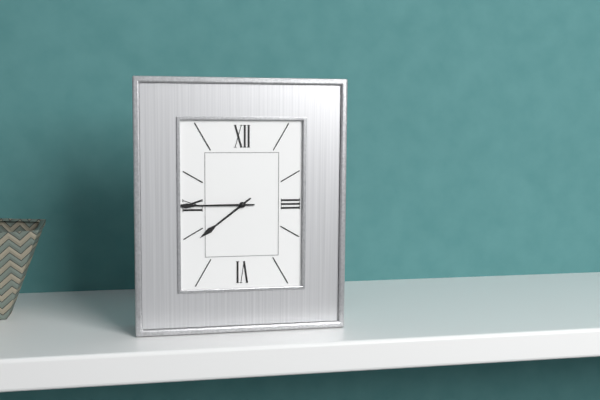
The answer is 7:45
